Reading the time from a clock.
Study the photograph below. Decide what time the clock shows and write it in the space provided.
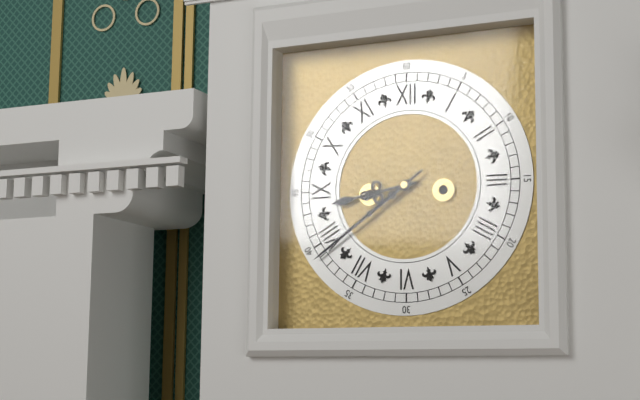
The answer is 8:39
